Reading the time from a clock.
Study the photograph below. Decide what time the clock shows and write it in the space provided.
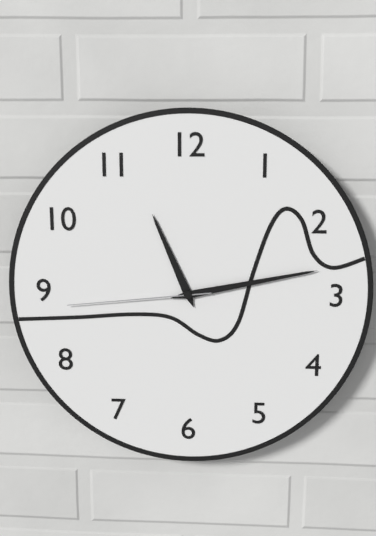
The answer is 11:13:44
